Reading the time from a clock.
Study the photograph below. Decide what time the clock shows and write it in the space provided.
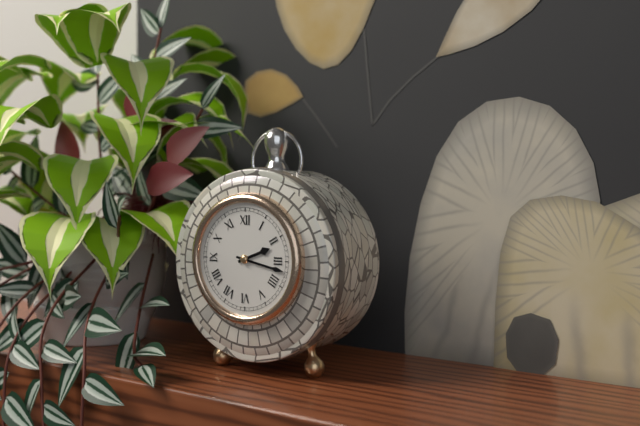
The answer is 2:17
